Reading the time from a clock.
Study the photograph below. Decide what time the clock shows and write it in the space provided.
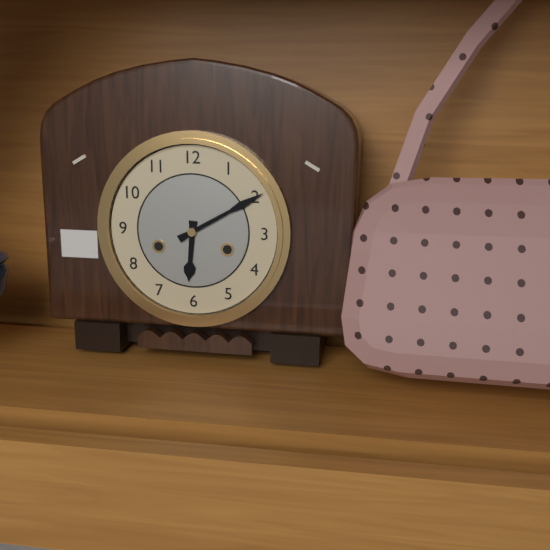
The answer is 6:10
